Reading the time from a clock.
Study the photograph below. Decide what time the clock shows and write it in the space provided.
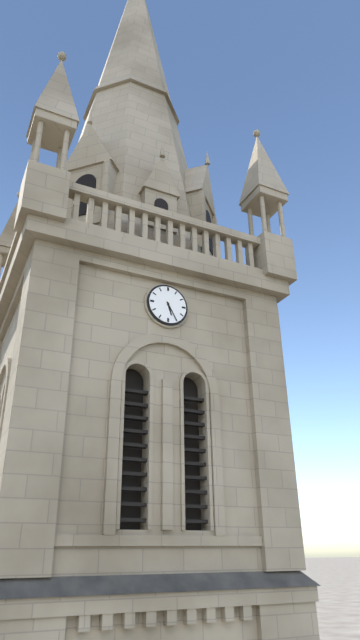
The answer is 5:25
